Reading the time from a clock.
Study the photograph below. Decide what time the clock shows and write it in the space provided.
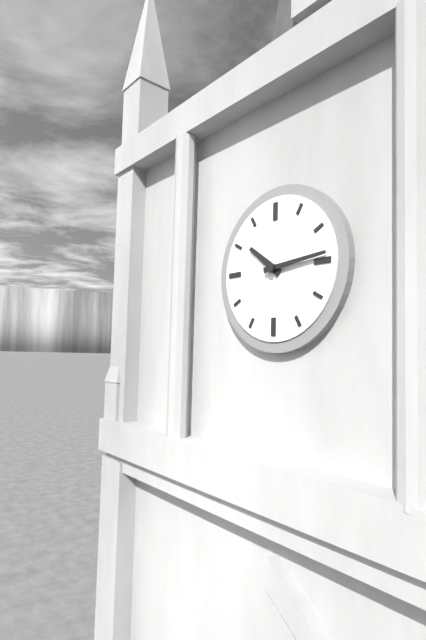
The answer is 10:14
